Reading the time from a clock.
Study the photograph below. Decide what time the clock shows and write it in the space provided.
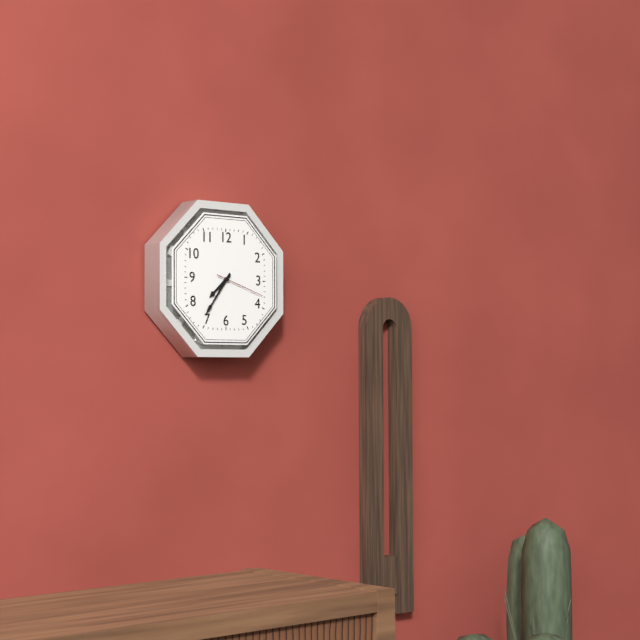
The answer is 7:36:18
